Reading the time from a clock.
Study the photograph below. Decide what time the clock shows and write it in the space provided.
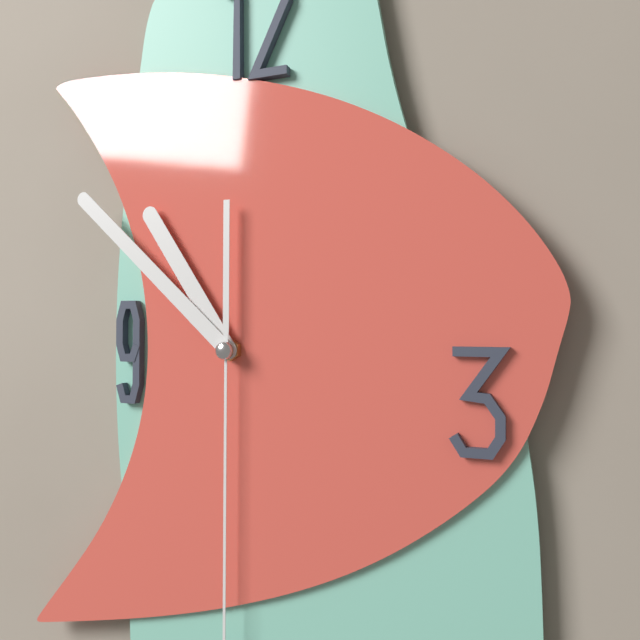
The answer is 10:52
